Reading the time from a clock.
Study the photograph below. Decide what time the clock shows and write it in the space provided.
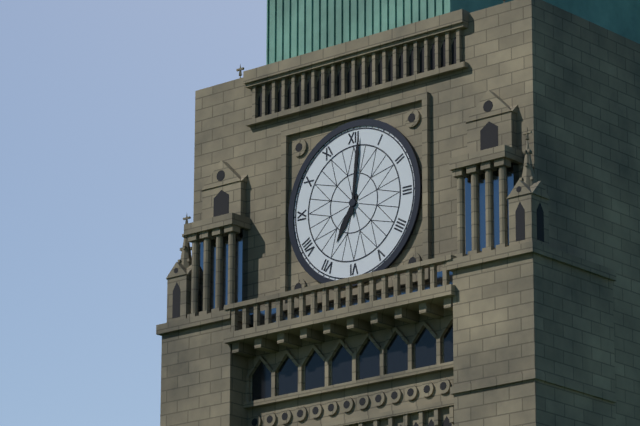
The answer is 7:01
